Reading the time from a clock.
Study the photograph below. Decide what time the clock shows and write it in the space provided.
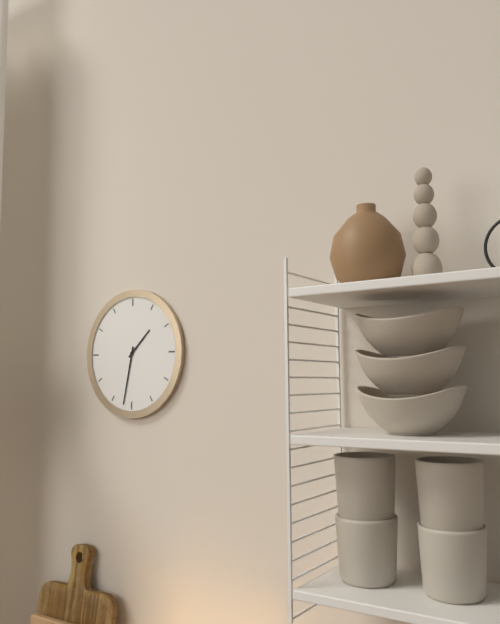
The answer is 1:32
